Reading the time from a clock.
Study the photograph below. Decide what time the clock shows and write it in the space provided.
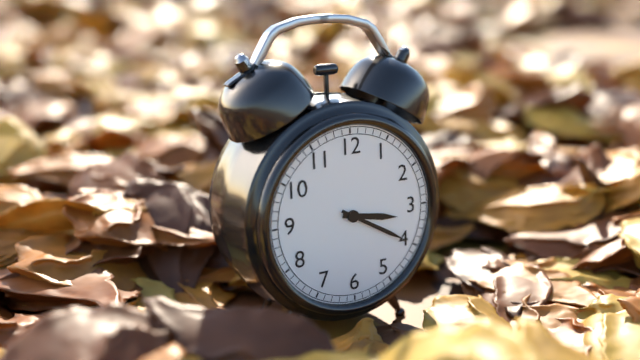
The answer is 3:20
